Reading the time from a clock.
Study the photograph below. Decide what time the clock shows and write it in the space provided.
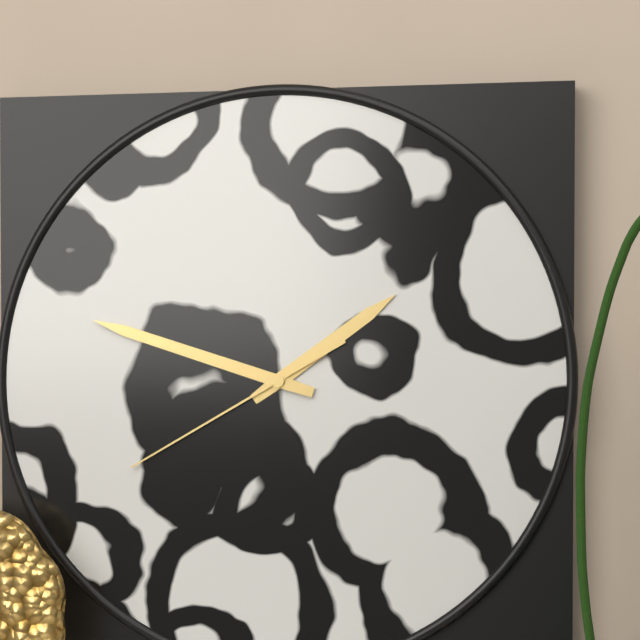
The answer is 1:48:40
